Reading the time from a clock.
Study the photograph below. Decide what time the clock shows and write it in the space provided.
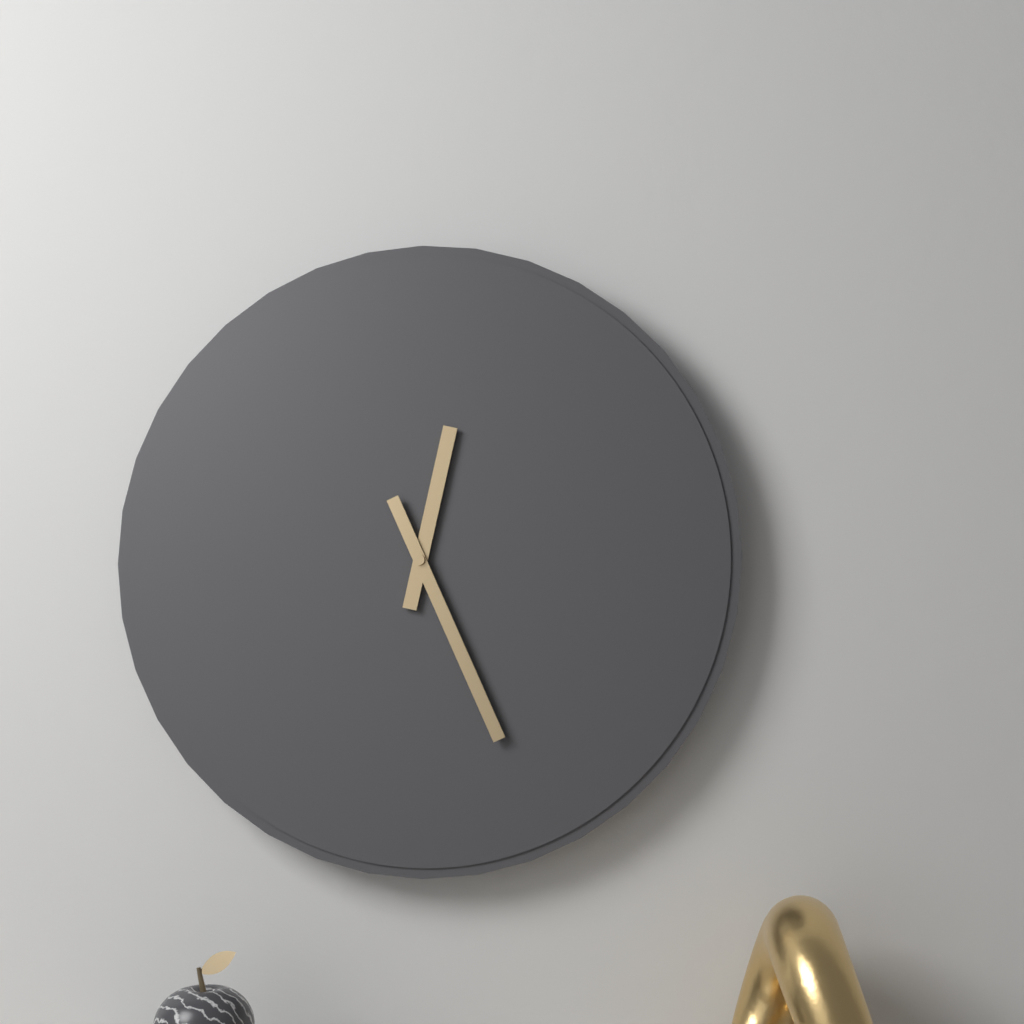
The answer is 12:26
